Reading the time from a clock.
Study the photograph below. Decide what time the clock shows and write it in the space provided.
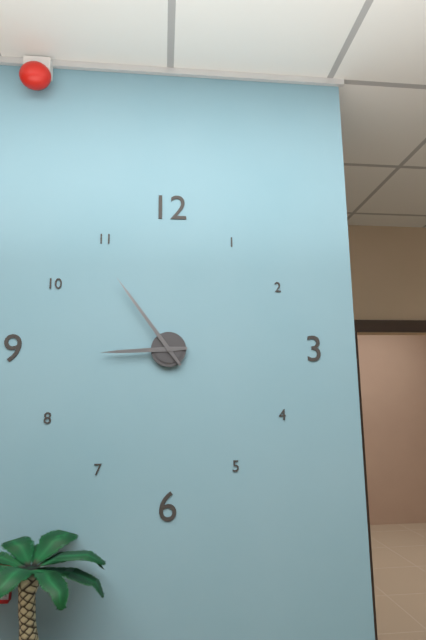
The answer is 8:54
